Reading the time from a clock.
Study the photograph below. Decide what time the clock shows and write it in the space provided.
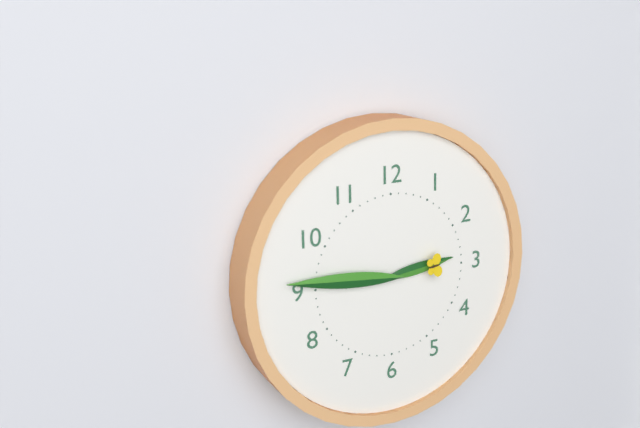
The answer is 2:46
